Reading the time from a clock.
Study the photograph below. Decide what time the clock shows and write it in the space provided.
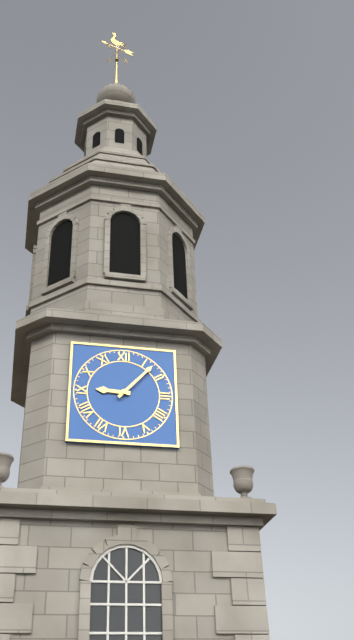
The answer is 9:07
